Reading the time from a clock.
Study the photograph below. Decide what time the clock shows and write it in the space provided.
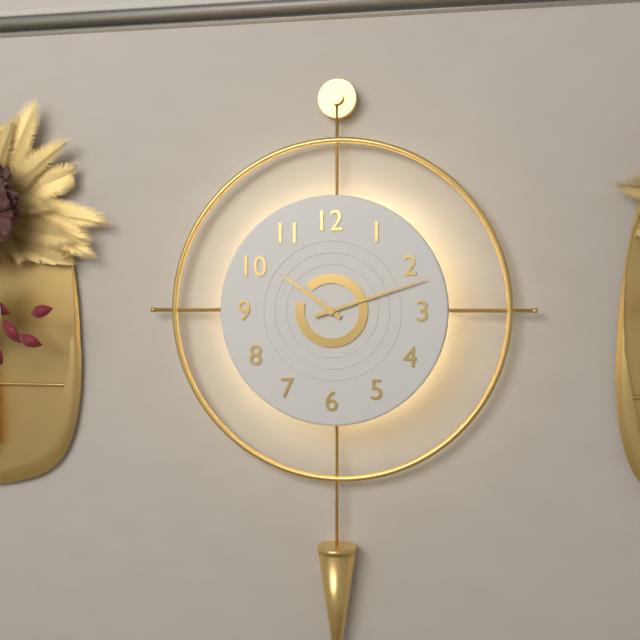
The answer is 10:12
